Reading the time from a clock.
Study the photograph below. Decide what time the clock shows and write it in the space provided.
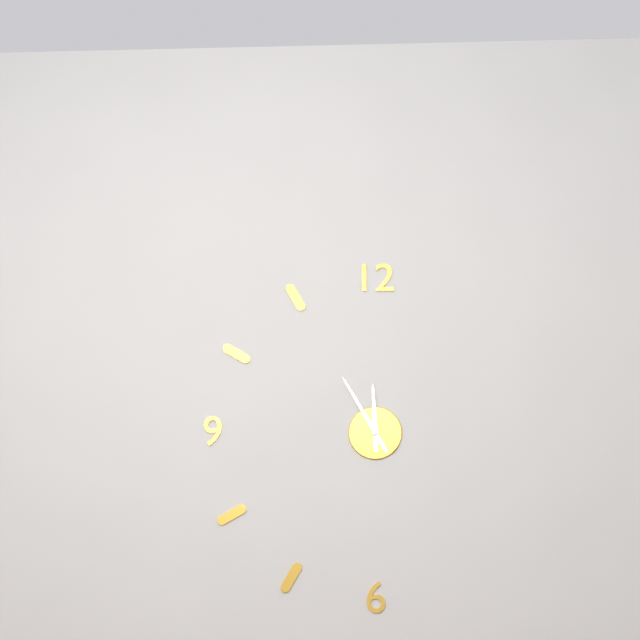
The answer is 11:55
